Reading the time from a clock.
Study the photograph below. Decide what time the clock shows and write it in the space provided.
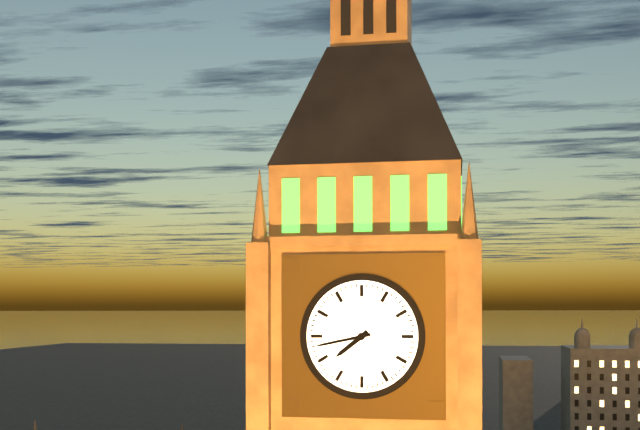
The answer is 7:43
